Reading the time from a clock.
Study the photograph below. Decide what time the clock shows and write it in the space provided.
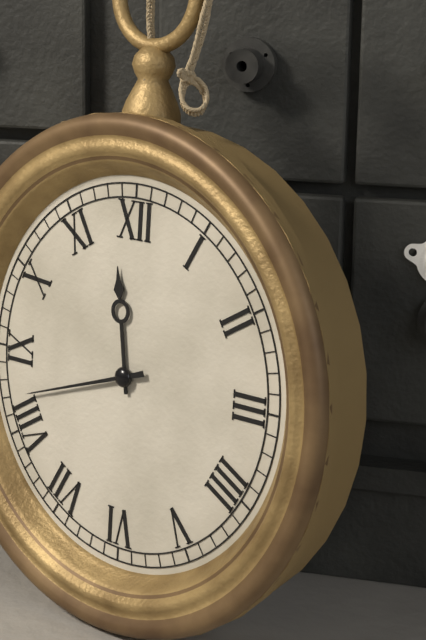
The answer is 11:42
